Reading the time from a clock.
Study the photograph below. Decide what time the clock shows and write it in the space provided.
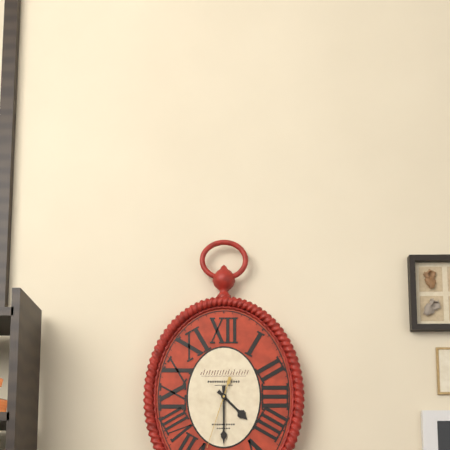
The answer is 4:30:33
